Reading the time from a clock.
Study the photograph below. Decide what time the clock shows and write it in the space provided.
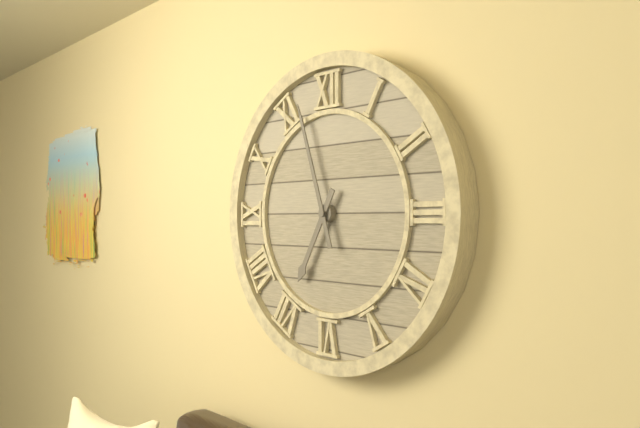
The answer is 6:57
